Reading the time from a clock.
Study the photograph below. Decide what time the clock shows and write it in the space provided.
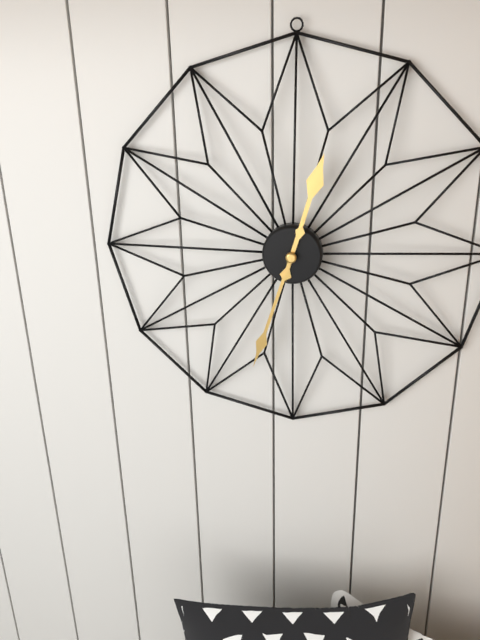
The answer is 12:33
